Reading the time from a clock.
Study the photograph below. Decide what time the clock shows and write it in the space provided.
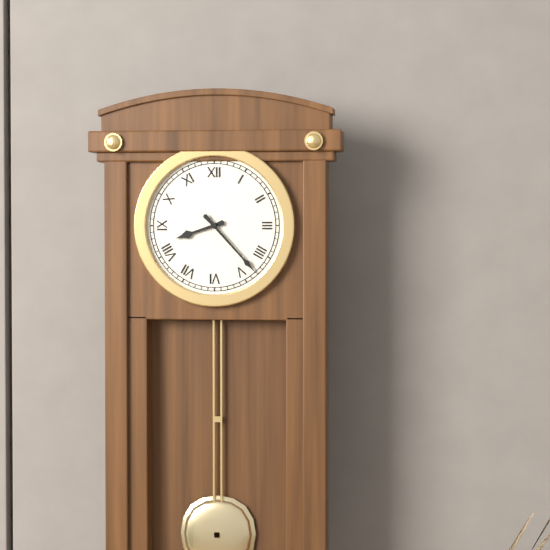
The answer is 8:23
